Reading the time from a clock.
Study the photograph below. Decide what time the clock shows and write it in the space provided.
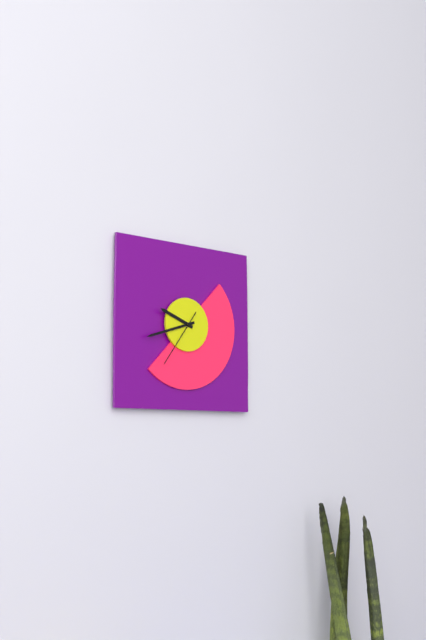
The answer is 9:42:36
